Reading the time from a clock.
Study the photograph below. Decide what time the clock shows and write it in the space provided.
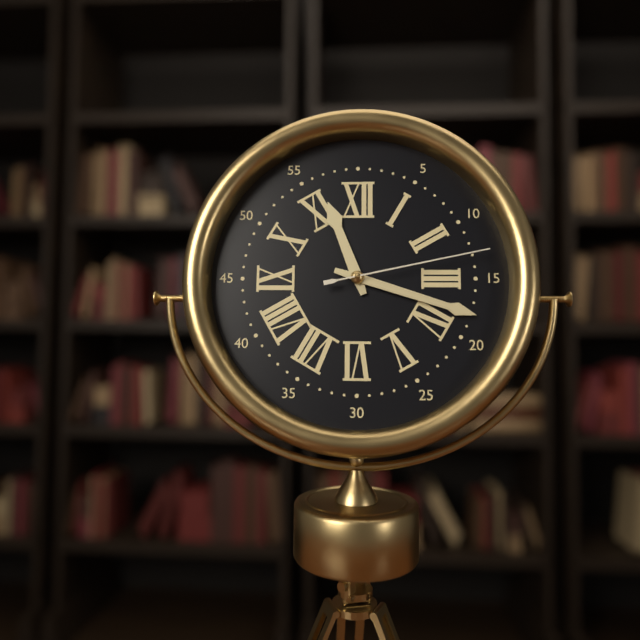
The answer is 11:18:13
